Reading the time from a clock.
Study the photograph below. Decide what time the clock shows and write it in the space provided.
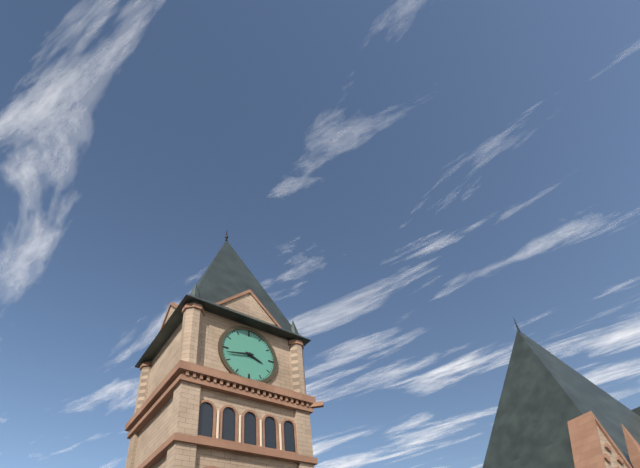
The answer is 3:43
